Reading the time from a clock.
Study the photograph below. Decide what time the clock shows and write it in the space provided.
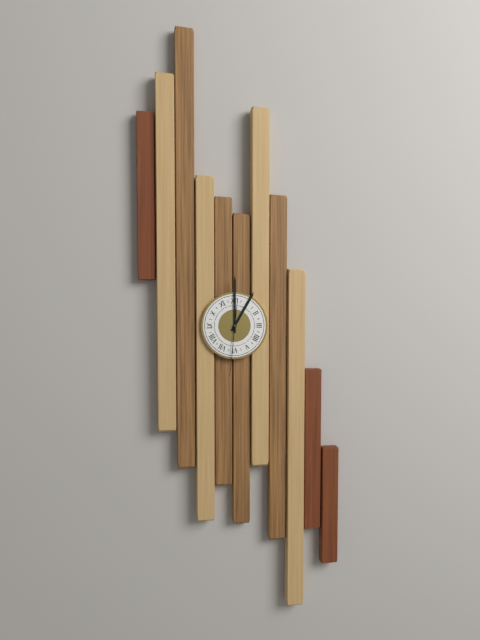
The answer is 1:00:31
